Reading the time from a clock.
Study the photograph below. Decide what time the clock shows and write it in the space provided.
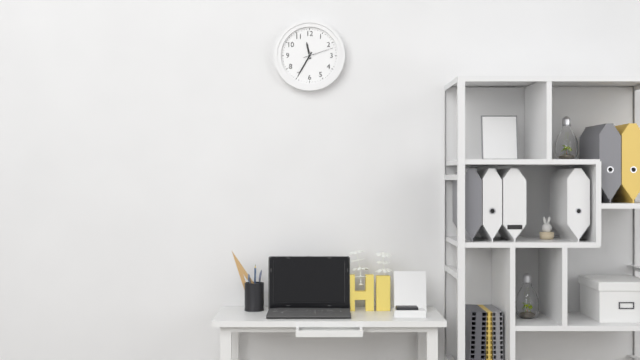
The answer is 11:35
